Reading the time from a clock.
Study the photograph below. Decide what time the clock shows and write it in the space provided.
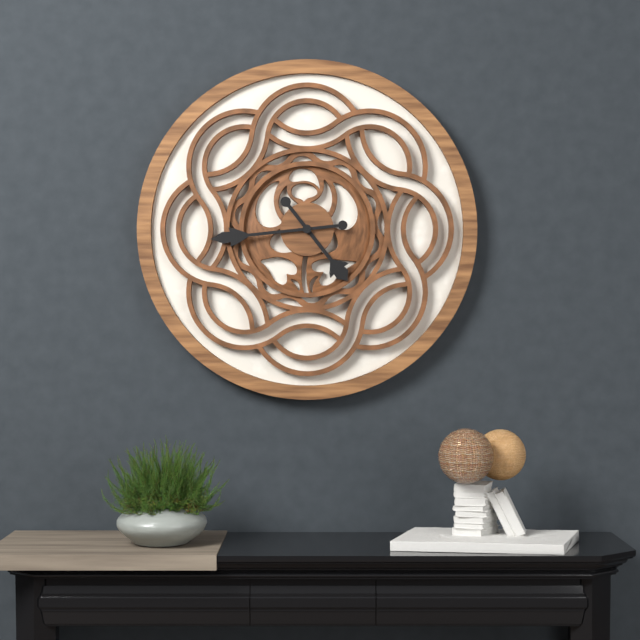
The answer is 4:44
